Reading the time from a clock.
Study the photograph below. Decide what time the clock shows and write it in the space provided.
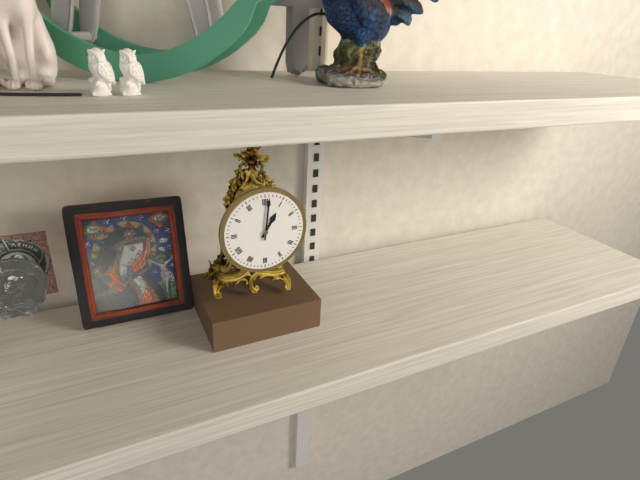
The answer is 1:01
